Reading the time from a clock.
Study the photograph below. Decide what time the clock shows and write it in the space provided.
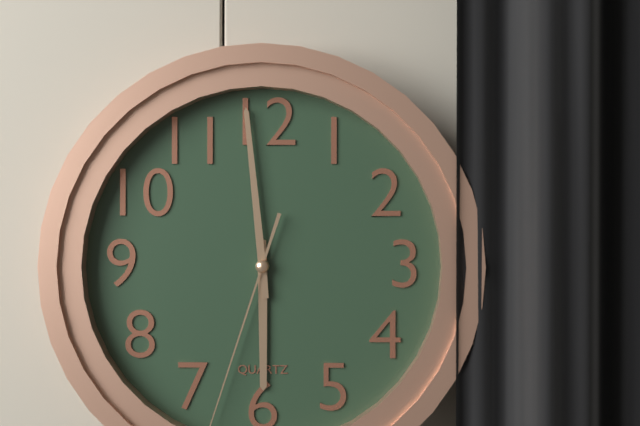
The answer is 5:59
